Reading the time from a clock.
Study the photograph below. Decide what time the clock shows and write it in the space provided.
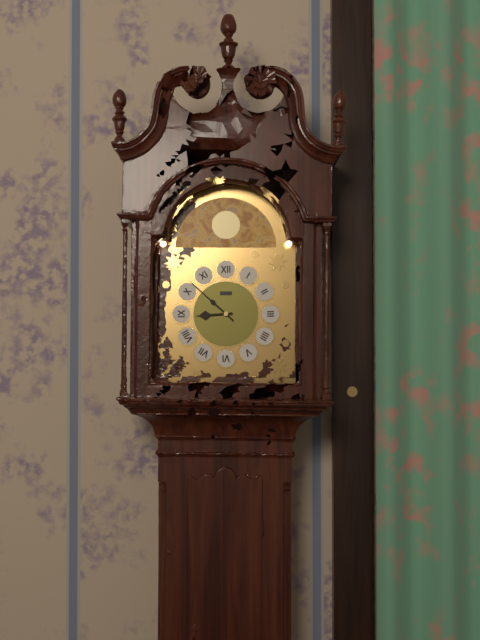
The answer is 8:52
